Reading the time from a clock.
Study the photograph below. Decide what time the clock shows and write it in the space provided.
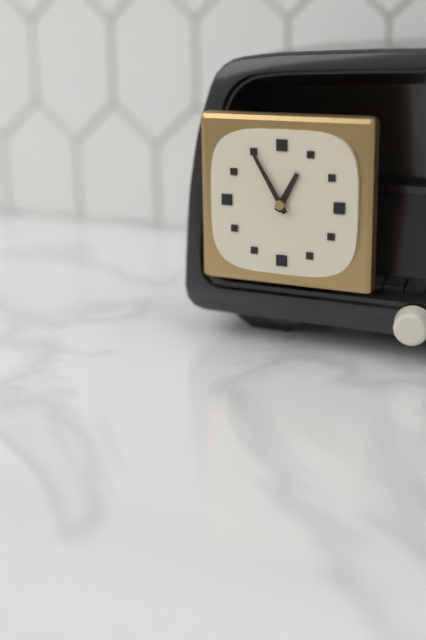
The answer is 12:55
